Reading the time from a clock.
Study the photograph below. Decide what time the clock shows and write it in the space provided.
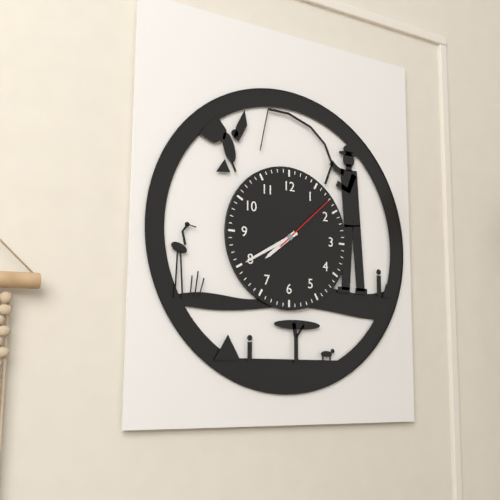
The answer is 7:40:08
